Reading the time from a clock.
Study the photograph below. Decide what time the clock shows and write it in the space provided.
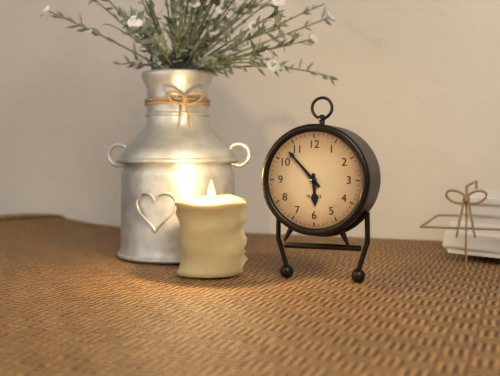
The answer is 5:53
